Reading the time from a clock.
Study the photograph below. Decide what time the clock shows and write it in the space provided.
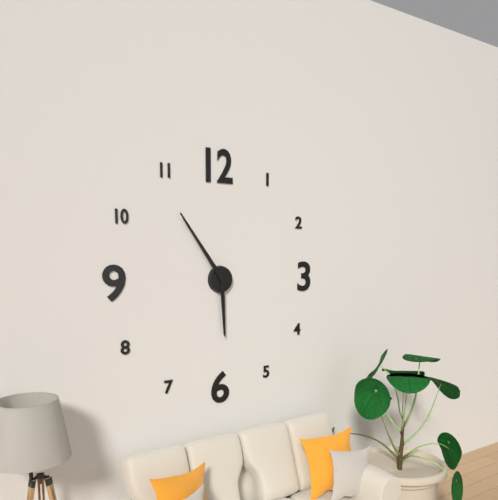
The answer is 5:54
